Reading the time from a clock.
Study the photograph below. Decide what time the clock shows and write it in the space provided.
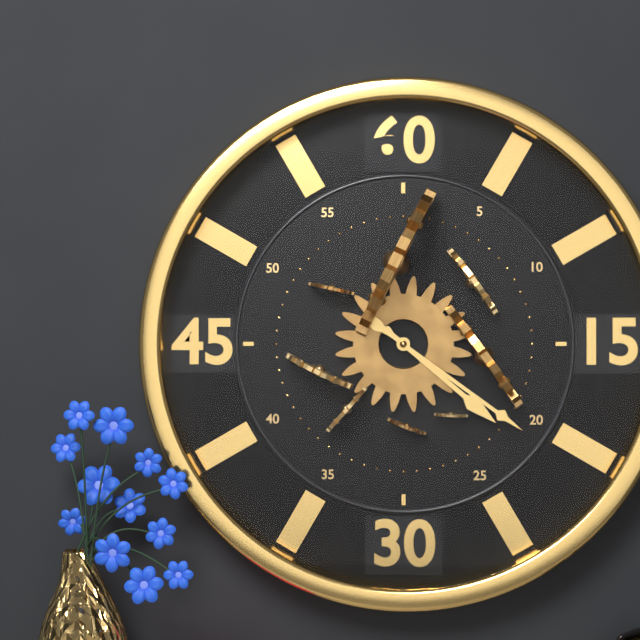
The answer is 4:21
